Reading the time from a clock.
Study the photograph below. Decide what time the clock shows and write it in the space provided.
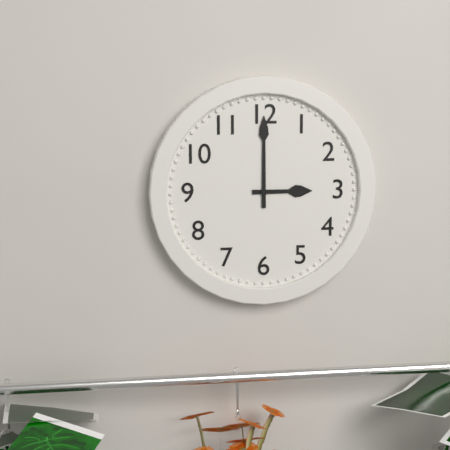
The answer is 3:00
